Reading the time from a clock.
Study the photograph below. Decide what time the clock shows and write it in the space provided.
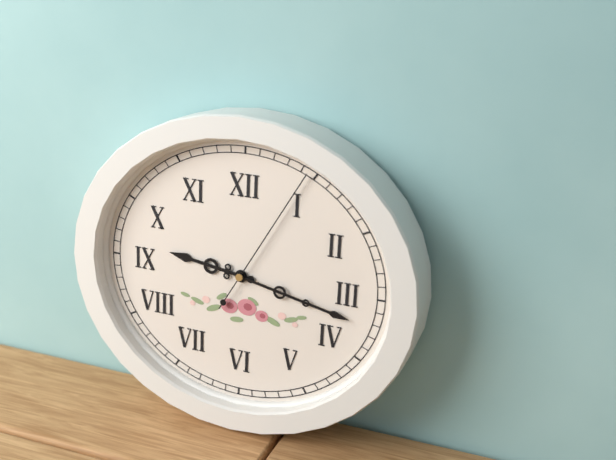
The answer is 9:17:05
